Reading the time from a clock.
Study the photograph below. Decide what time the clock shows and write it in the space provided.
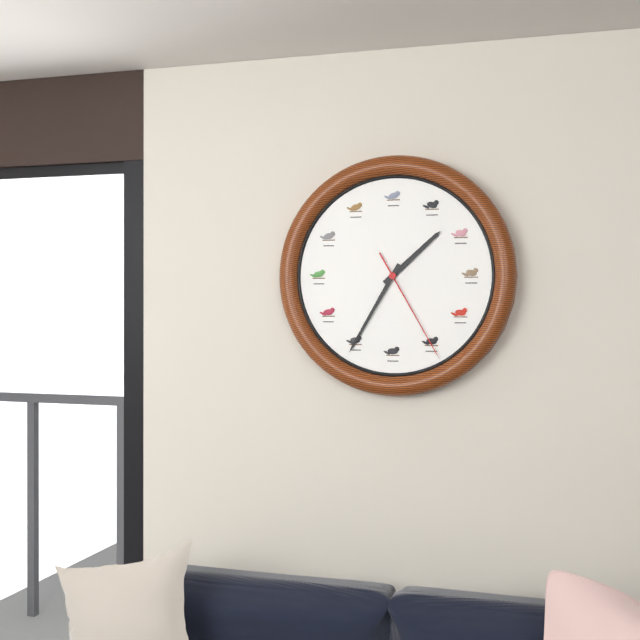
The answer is 1:35:25
